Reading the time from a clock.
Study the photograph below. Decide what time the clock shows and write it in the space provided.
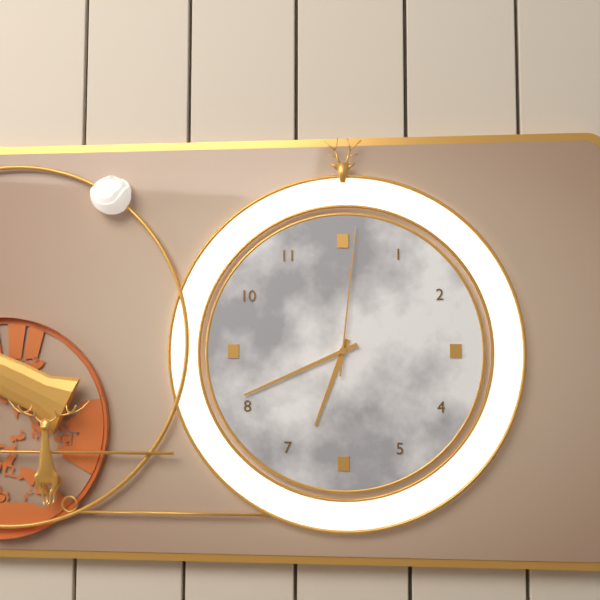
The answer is 6:41:01
